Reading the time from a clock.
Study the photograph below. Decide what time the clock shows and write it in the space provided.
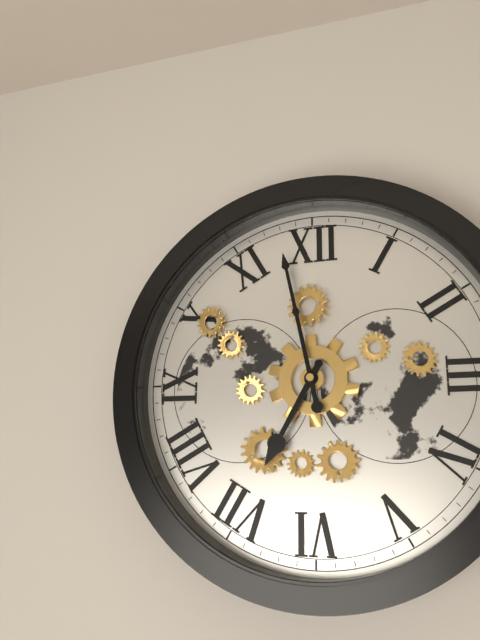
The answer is 6:58
